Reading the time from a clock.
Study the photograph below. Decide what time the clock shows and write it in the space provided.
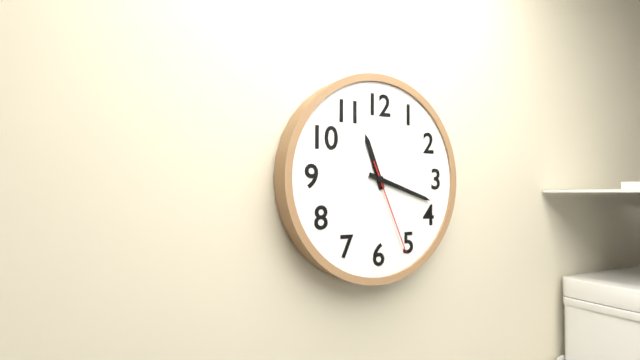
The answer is 11:18:26
